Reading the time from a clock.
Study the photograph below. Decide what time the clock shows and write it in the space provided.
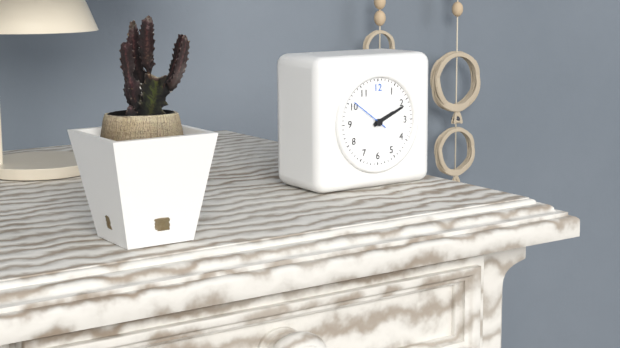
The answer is 2:11
